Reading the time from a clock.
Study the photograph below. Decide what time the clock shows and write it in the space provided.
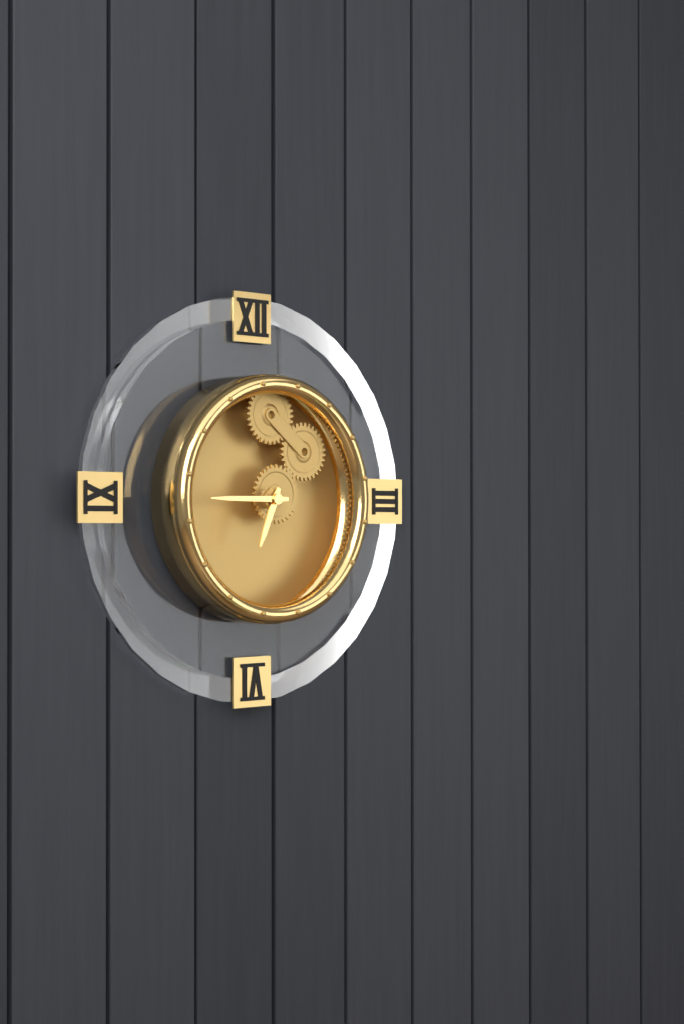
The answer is 6:45
